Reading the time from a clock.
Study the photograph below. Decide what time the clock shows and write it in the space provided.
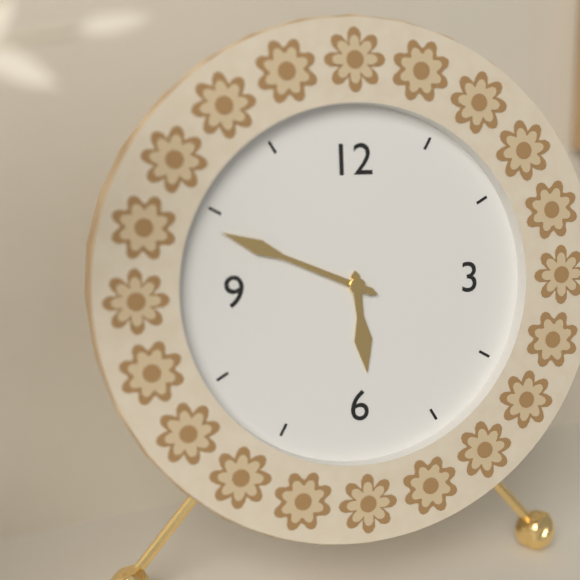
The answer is 5:49
